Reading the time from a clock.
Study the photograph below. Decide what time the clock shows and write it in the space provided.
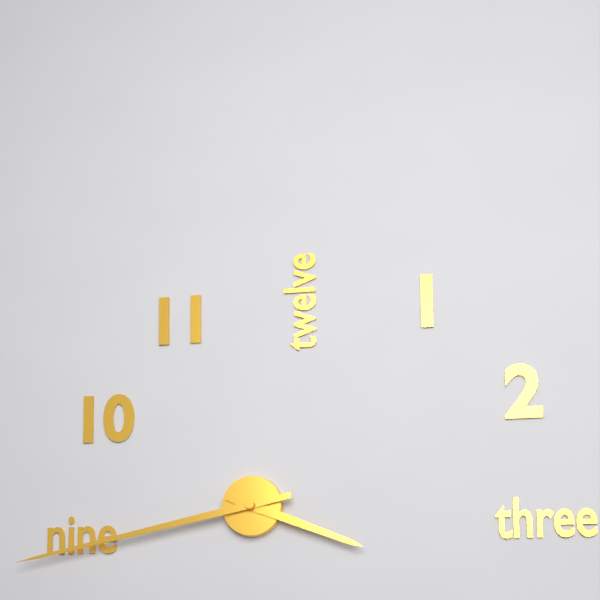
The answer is 3:43
